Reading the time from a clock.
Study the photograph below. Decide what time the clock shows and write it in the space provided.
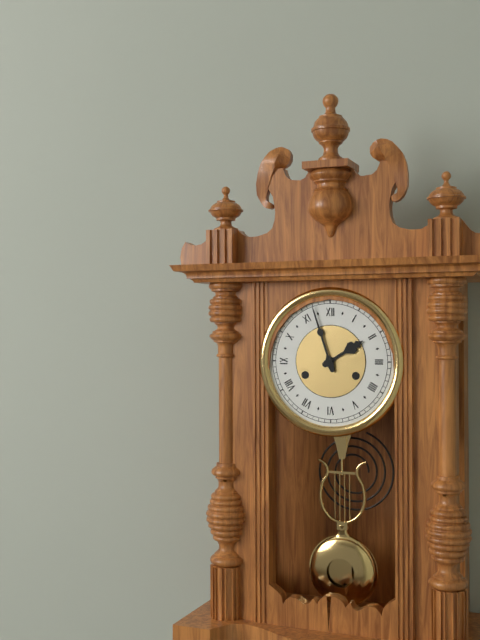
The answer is 1:57
